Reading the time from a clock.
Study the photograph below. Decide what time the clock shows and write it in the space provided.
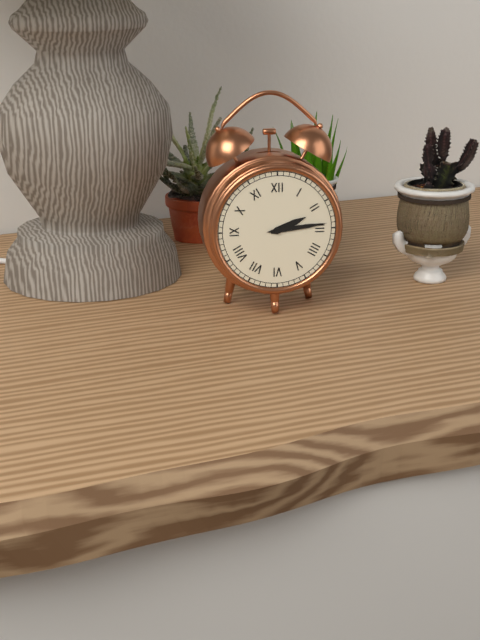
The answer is 2:14
